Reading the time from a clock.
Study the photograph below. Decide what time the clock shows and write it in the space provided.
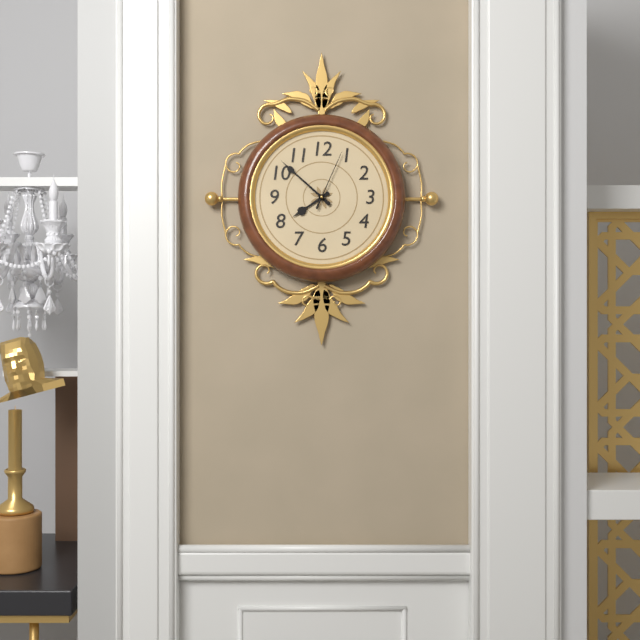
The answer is 7:52:04
